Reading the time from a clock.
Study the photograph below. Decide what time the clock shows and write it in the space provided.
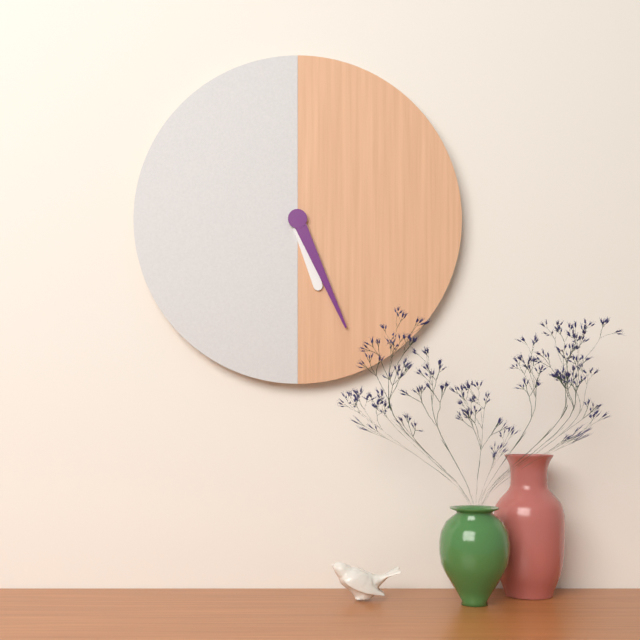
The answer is 5:26
